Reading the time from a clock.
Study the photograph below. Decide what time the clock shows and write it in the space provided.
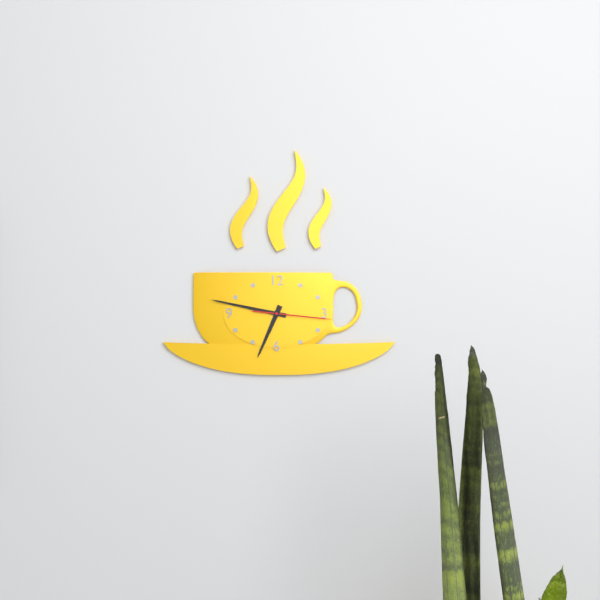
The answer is 6:47:16
